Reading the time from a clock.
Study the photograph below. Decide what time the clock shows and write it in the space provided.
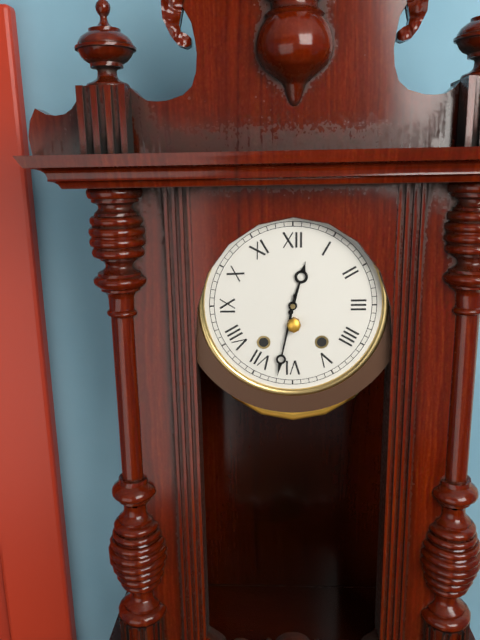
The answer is 12:32
